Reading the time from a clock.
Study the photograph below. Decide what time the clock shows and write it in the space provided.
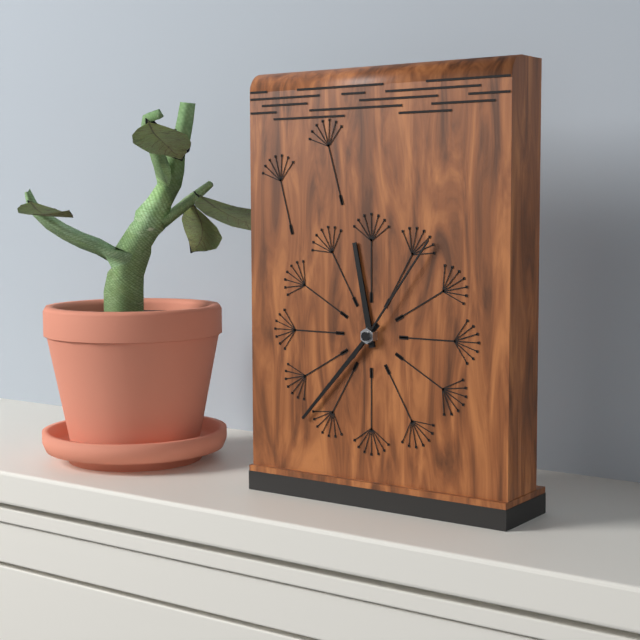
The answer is 11:37:06
